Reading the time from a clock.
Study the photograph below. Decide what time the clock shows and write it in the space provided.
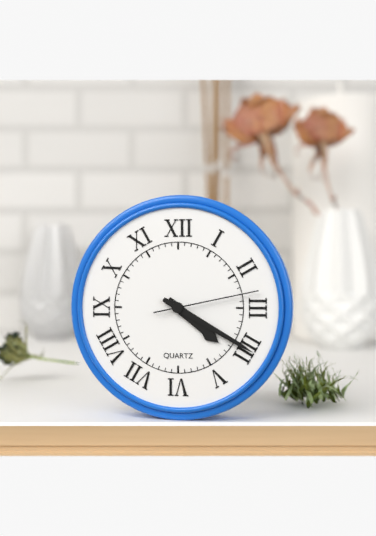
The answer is 4:20:13
